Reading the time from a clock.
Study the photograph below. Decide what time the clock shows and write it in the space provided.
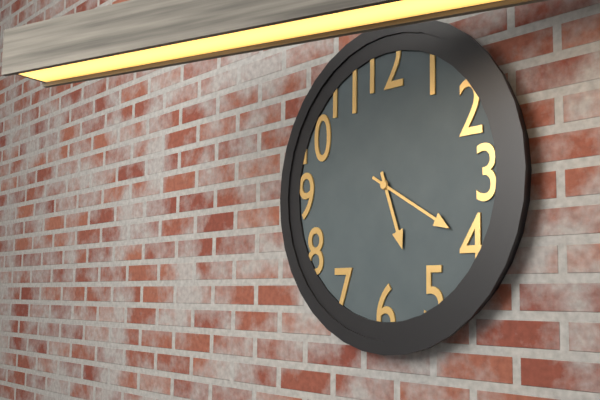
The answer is 5:20
